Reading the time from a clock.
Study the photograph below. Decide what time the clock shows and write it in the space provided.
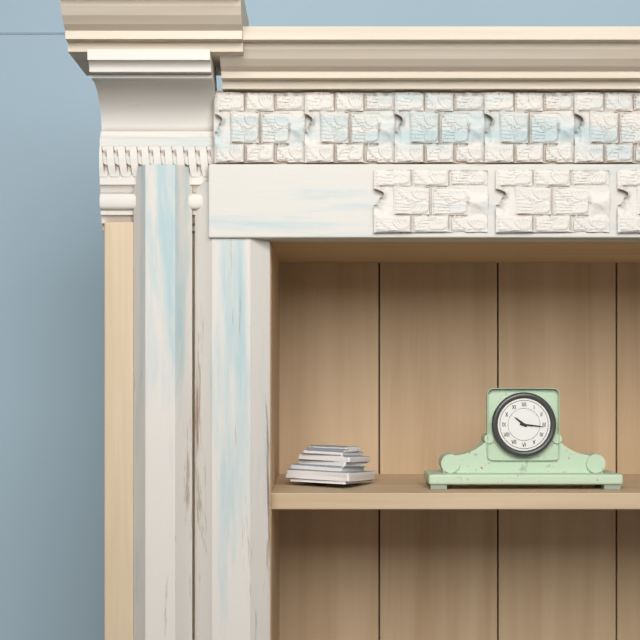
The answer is 10:16
